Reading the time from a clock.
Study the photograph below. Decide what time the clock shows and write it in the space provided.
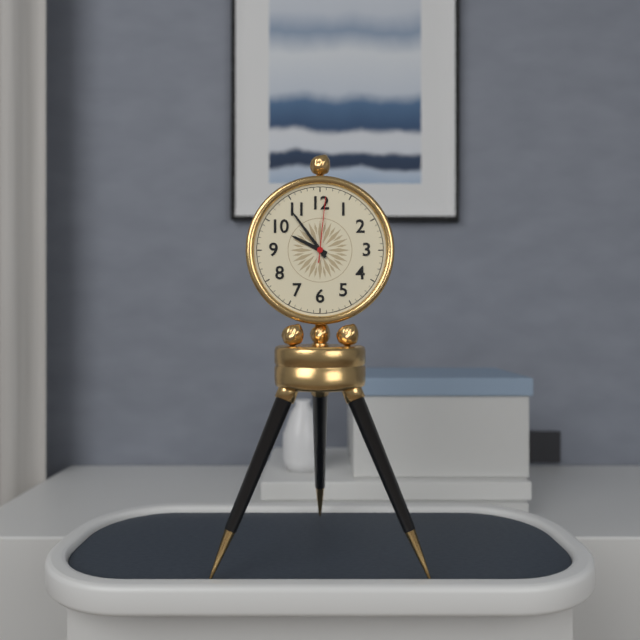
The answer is 9:54:01
